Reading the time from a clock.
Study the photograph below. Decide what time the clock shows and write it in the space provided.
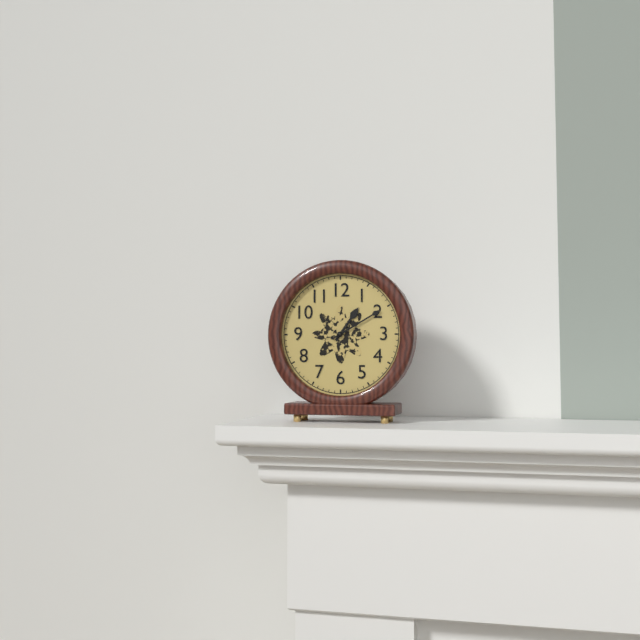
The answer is 1:10
